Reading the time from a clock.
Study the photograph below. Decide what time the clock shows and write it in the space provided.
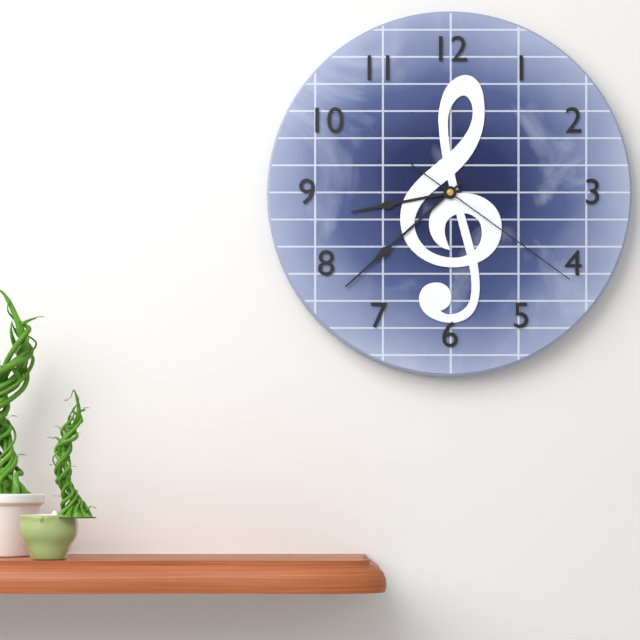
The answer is 8:38:21
